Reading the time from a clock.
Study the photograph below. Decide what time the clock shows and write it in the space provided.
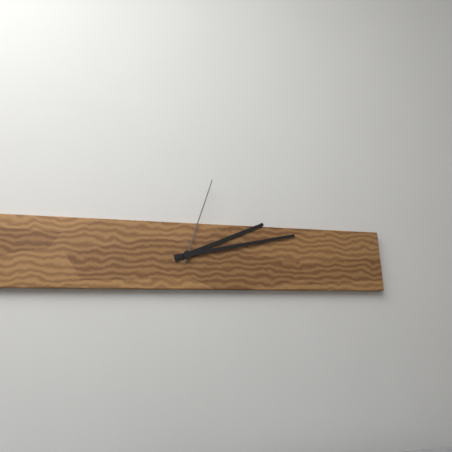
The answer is 2:13:03
